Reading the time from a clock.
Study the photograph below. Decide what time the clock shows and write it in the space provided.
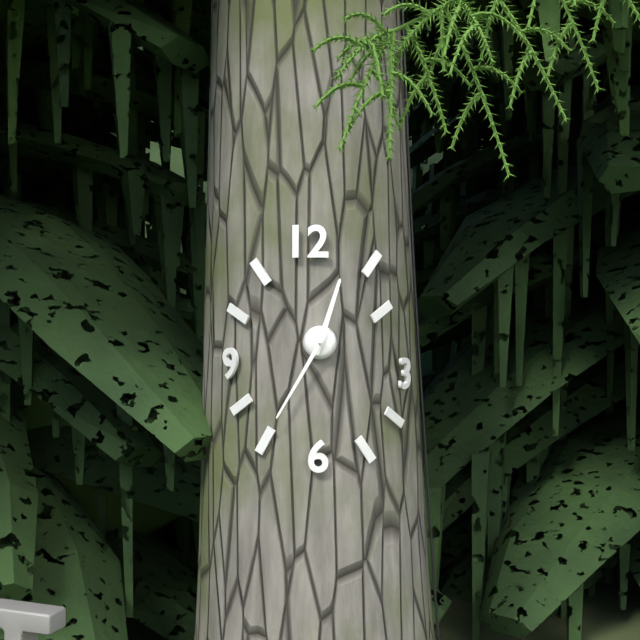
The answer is 12:35
